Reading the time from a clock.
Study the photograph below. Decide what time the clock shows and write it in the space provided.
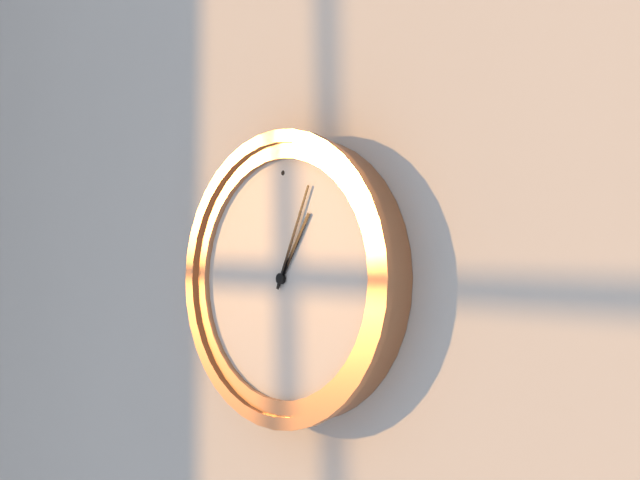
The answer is 1:04
